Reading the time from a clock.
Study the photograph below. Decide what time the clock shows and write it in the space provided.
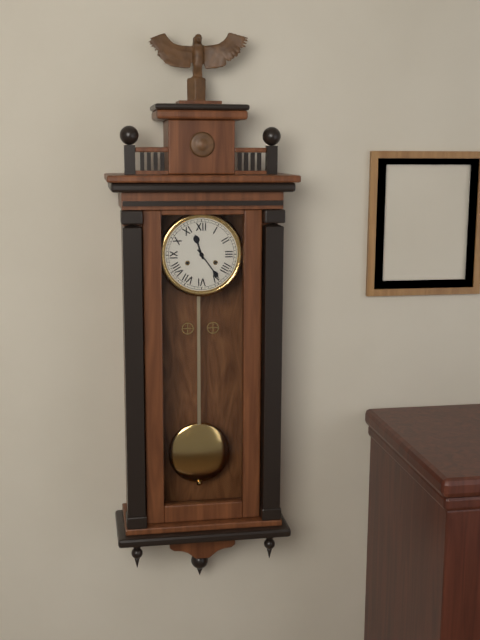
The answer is 11:24
